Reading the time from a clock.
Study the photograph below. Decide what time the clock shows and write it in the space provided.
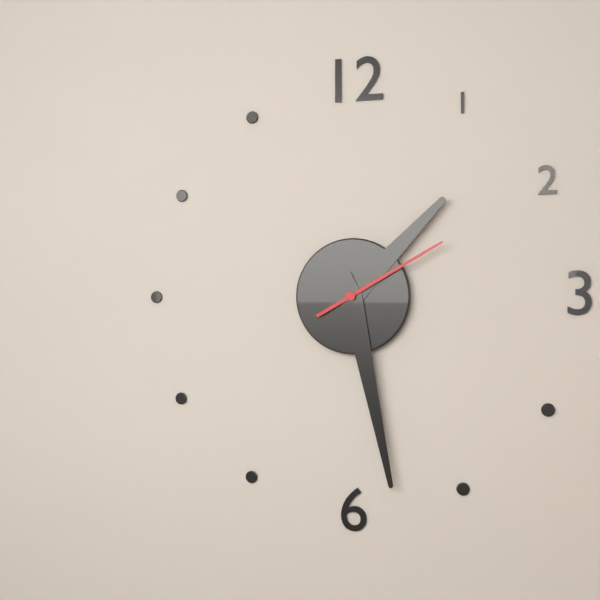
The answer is 1:28:10
